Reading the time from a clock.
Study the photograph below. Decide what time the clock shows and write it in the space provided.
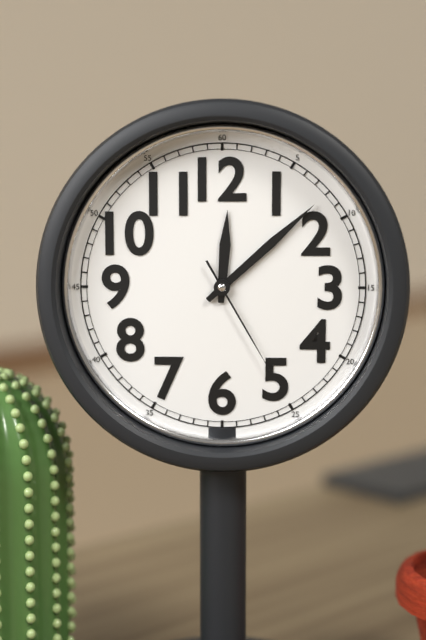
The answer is 12:08:25
